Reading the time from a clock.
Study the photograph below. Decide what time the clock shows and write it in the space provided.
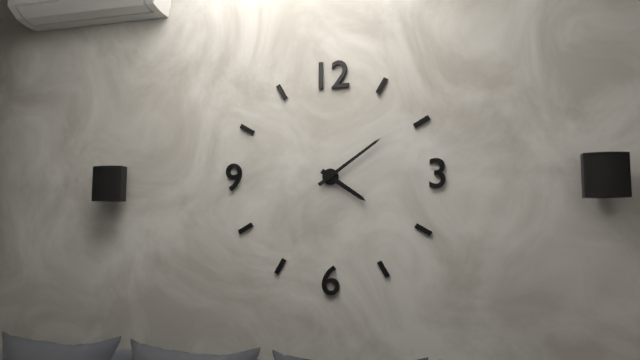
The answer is 4:09
